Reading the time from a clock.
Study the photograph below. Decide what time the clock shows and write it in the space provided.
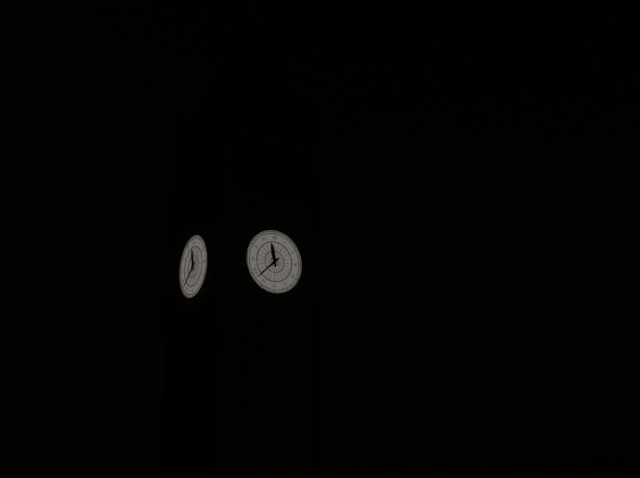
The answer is 11:38
